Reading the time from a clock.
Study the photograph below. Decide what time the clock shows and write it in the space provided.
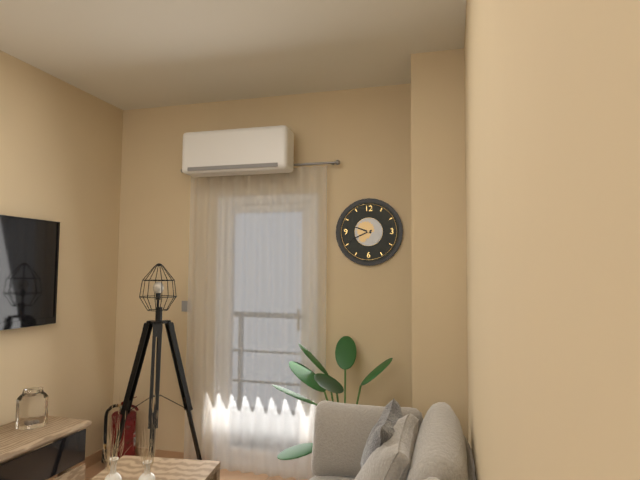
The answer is 9:41
